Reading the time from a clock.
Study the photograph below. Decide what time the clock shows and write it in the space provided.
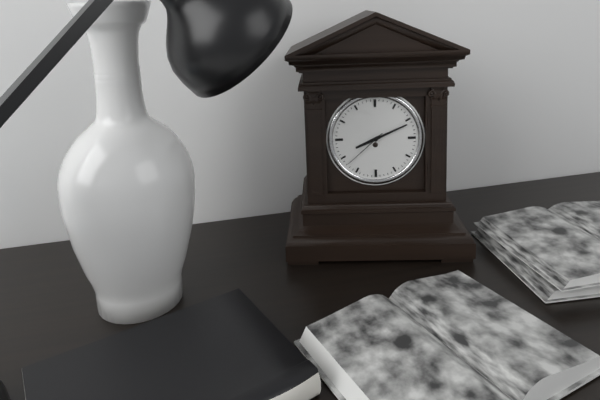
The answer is 8:11
